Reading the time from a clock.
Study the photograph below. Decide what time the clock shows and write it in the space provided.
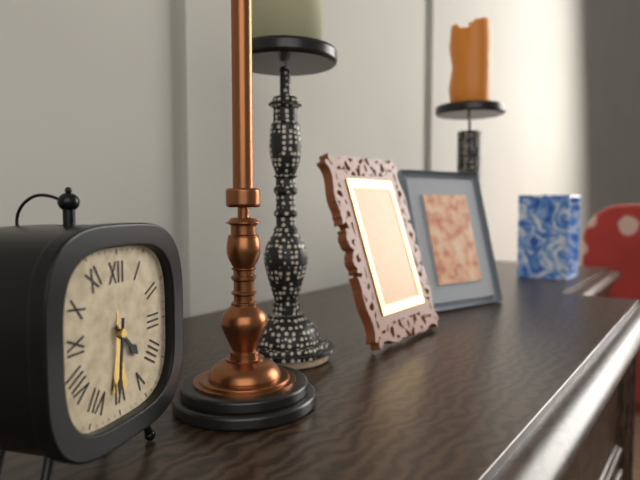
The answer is 4:31
